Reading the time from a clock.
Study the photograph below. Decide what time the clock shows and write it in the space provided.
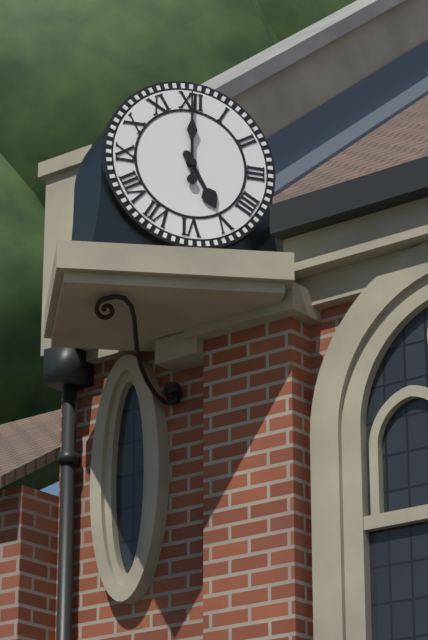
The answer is 5:00
